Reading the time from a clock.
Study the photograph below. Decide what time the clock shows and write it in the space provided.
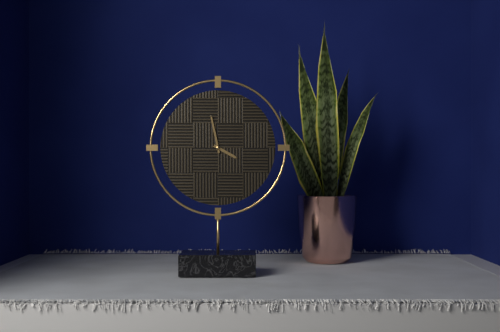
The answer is 3:58
